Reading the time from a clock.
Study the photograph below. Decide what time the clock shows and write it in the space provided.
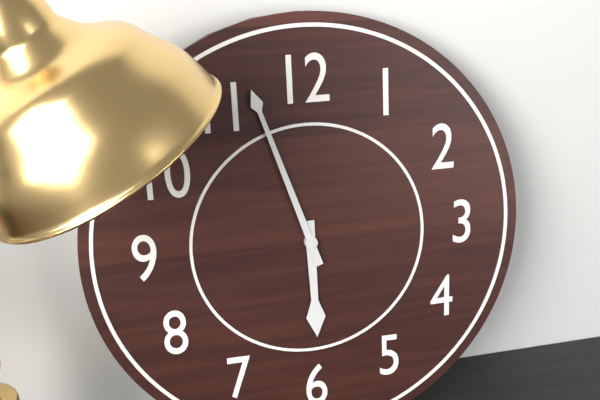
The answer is 5:57
